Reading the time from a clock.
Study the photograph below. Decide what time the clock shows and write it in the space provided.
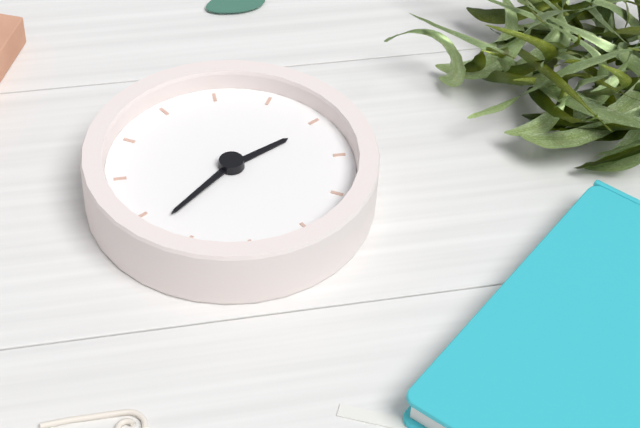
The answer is 8:08
